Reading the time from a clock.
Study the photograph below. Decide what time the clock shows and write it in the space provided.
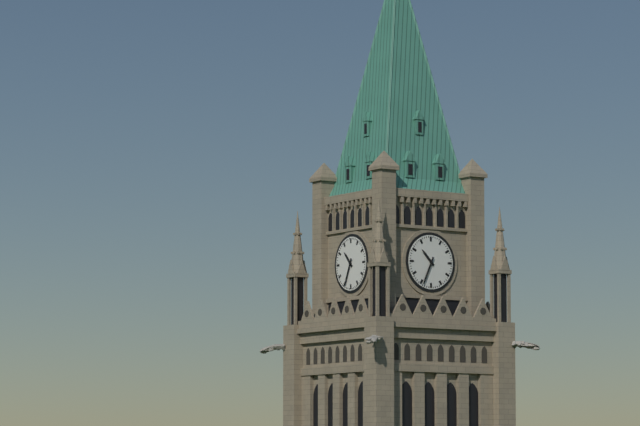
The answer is 10:34
